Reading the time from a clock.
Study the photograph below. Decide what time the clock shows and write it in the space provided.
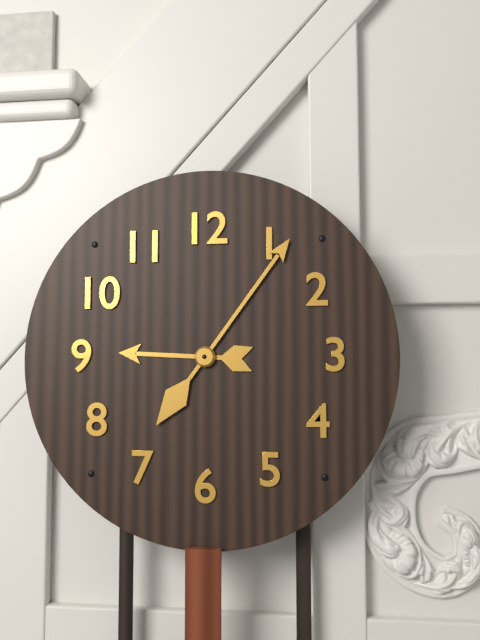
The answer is 9:06
